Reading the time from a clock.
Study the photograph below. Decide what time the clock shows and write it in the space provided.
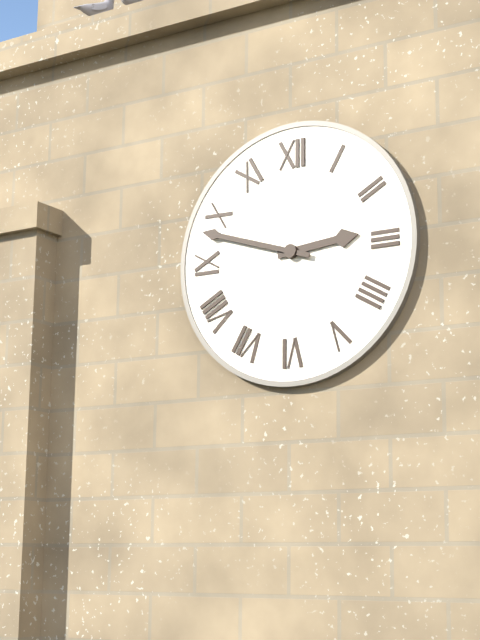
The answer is 2:48
